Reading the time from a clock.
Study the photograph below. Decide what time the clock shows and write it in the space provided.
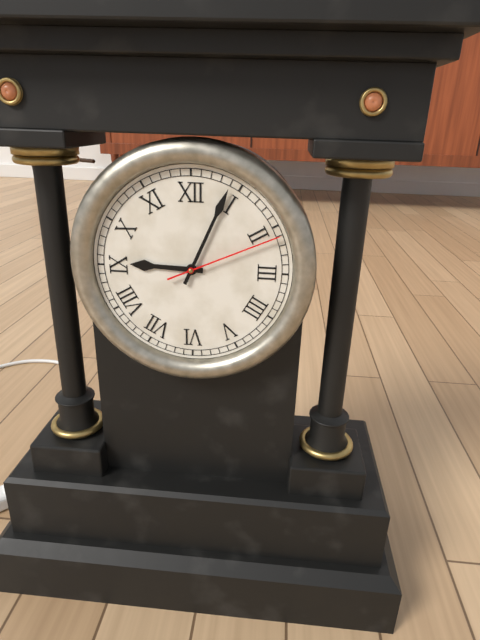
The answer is 9:04:11
